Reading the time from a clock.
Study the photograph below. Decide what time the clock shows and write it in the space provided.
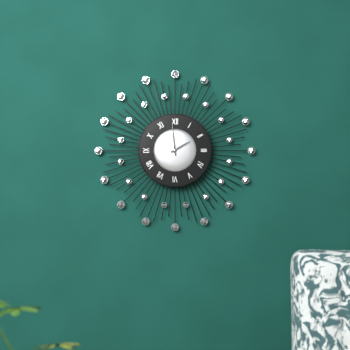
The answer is 1:59
